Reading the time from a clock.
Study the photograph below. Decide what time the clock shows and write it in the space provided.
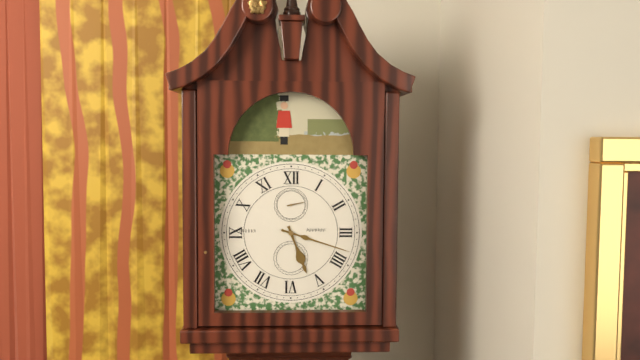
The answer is 5:18
